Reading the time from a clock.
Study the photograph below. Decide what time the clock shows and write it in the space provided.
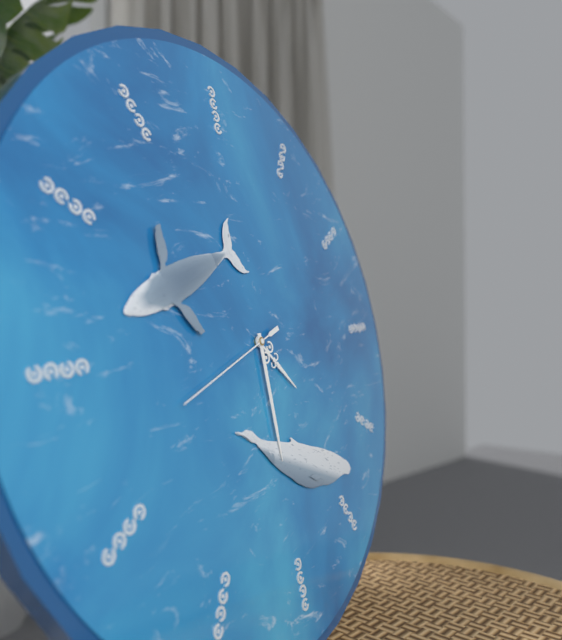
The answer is 4:30:42
